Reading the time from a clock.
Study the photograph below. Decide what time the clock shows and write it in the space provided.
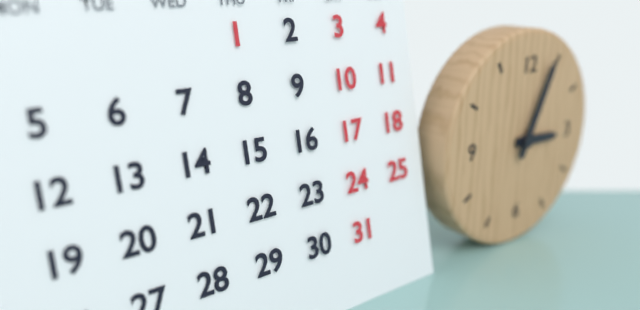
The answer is 3:04
